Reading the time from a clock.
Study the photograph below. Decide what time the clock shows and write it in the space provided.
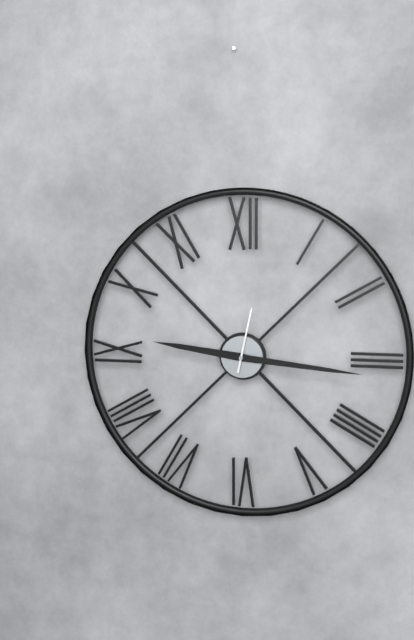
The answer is 9:16:02
